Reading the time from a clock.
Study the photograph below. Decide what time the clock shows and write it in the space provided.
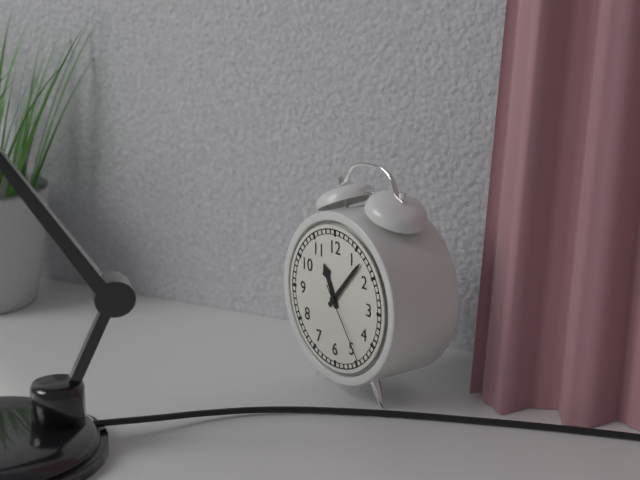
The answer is 11:07:24
